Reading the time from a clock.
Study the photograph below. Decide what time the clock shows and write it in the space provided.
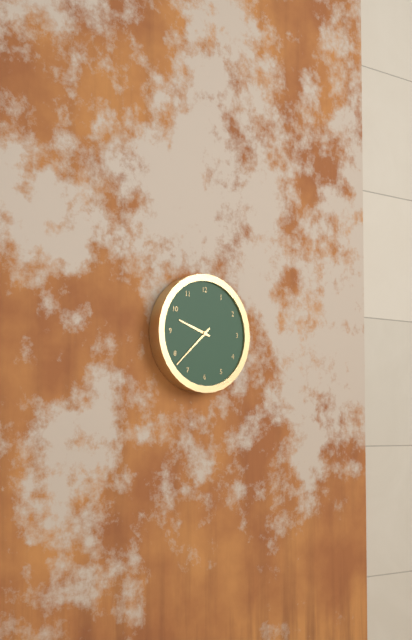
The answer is 9:38
